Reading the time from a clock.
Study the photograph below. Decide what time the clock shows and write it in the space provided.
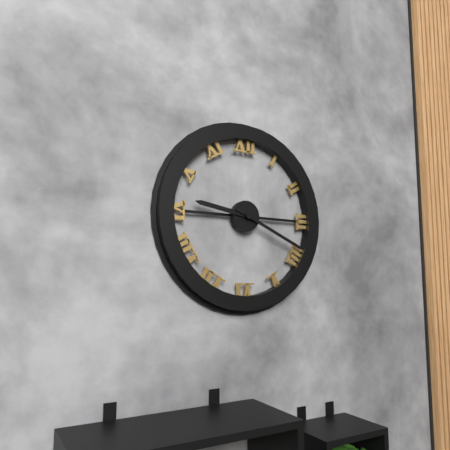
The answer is 9:19
